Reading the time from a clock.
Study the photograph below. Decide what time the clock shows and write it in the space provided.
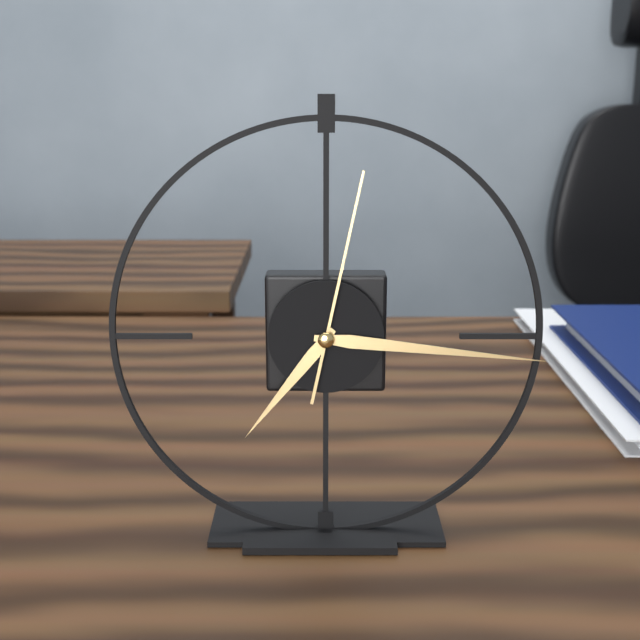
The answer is 7:16:02
